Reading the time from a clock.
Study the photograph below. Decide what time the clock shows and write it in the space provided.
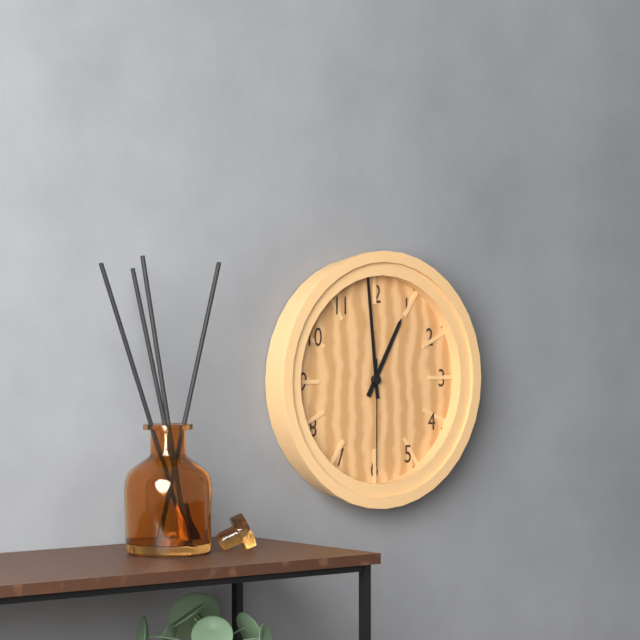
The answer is 12:59:30
